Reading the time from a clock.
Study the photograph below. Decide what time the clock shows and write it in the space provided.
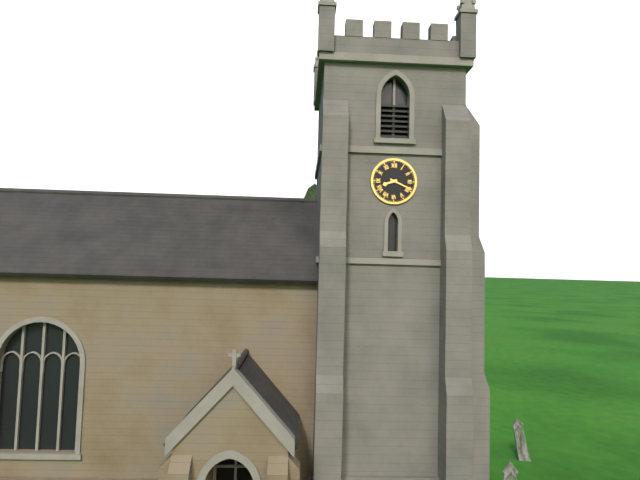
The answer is 8:19
